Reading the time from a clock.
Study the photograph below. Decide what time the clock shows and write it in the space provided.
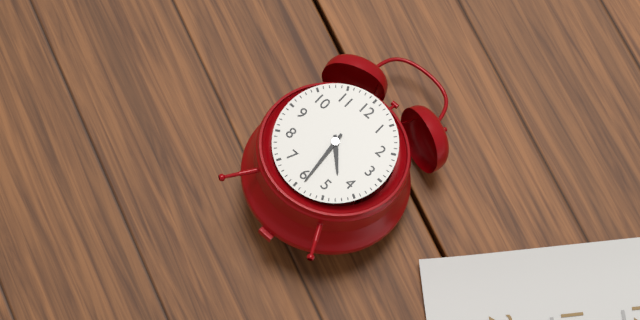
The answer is 4:29
